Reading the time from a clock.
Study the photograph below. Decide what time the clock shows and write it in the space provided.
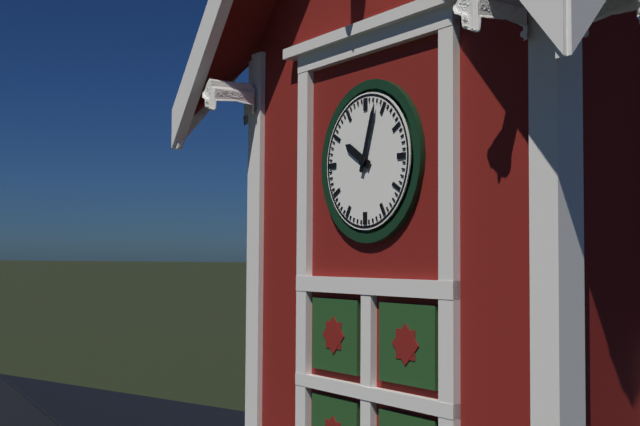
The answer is 10:03
